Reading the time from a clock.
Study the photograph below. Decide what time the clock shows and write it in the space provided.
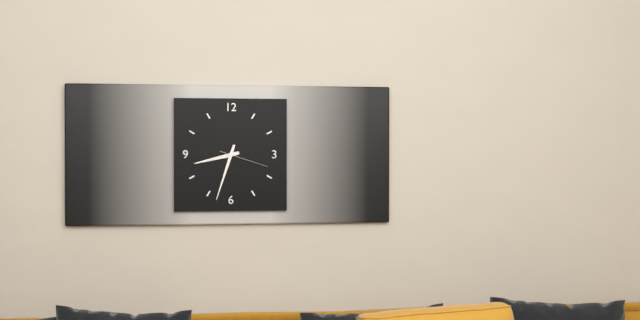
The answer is 8:33
